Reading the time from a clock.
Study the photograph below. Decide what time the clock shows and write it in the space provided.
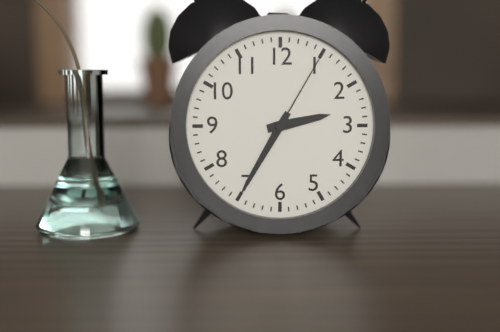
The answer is 2:35:05
